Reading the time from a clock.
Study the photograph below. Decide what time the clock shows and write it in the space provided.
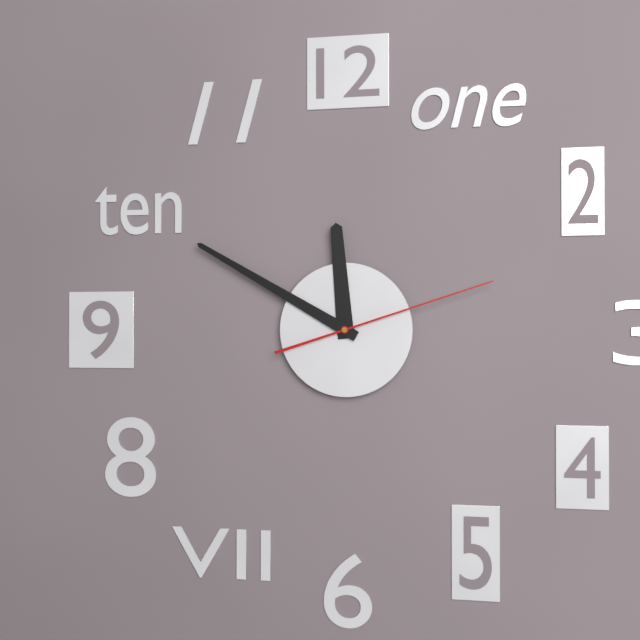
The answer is 11:50:12
